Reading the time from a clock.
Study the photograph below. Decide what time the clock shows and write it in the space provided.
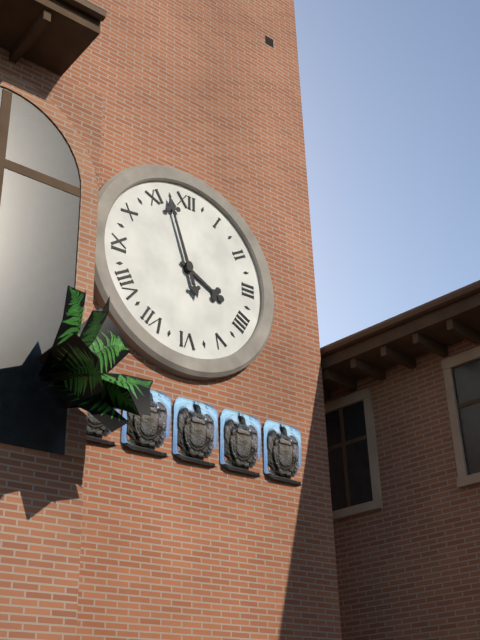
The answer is 3:57
